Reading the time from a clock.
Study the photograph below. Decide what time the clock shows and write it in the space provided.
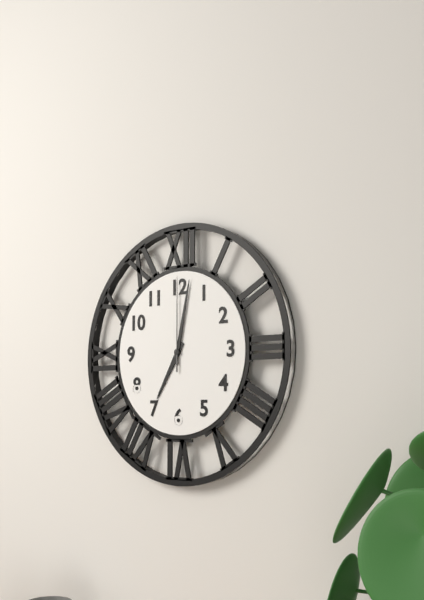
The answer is 7:02:00
